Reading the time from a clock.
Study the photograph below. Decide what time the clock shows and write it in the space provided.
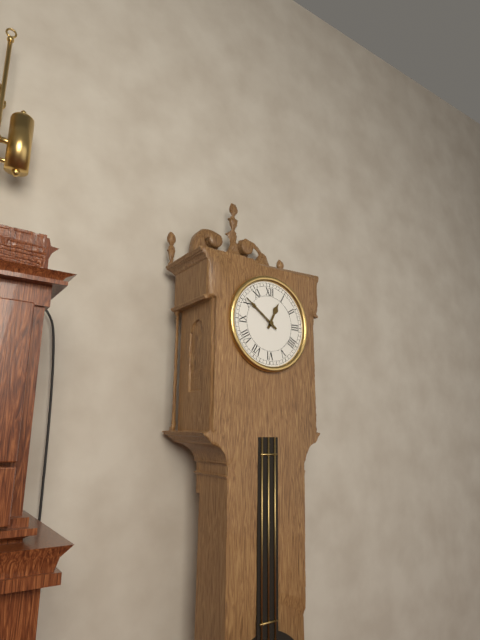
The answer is 12:51
